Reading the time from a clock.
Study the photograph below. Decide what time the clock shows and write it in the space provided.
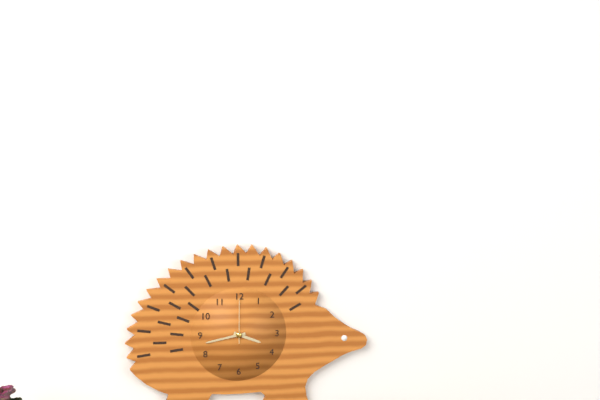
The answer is 3:43
